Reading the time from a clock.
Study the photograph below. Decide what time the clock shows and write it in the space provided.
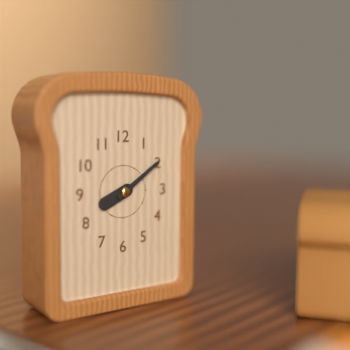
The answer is 8:09
